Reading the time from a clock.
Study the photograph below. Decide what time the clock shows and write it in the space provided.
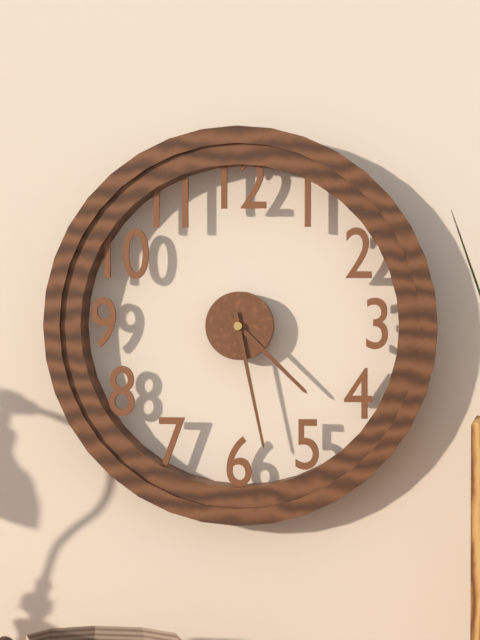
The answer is 4:28
